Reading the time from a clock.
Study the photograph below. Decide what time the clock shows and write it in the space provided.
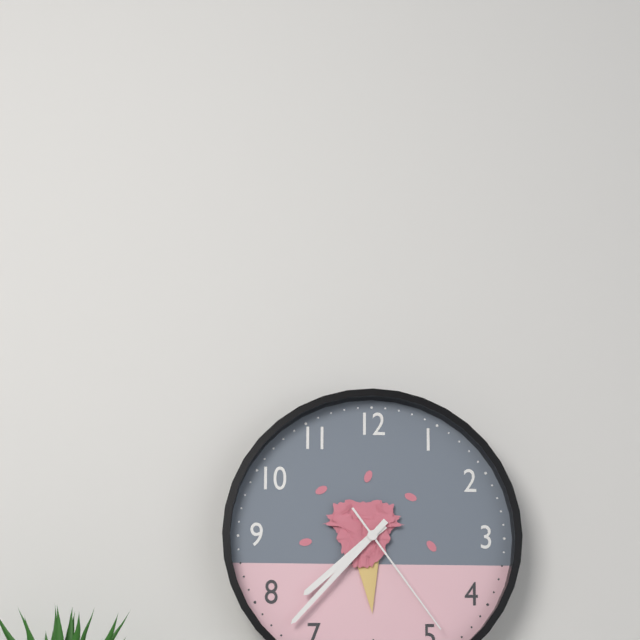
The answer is 7:37:24
